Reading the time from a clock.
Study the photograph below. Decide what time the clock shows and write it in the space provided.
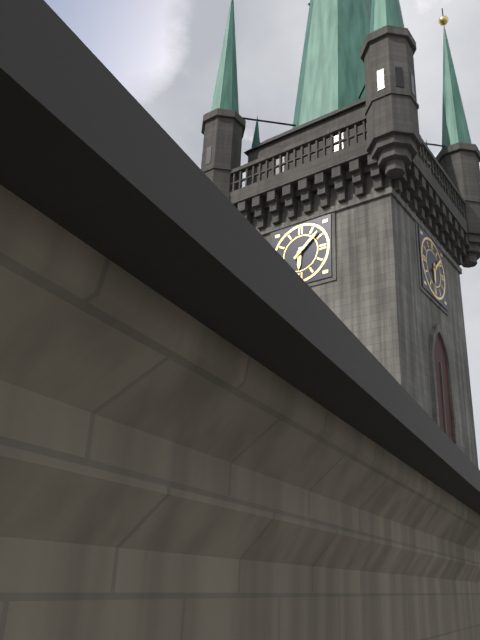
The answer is 6:08
